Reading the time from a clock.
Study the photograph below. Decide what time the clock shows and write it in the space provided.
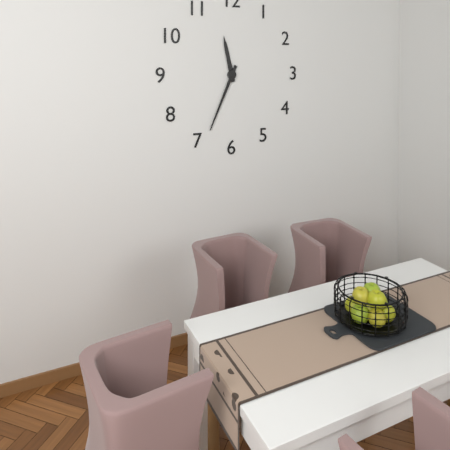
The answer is 11:34
